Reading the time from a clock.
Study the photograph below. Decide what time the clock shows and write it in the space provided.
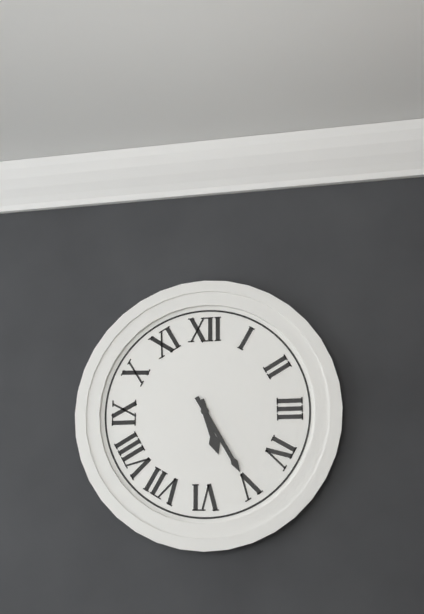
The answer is 5:25
